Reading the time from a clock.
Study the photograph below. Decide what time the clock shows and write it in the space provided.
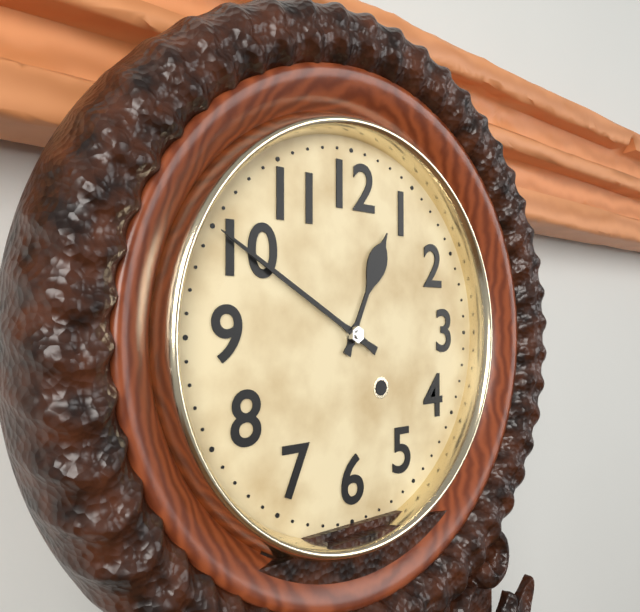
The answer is 12:50
